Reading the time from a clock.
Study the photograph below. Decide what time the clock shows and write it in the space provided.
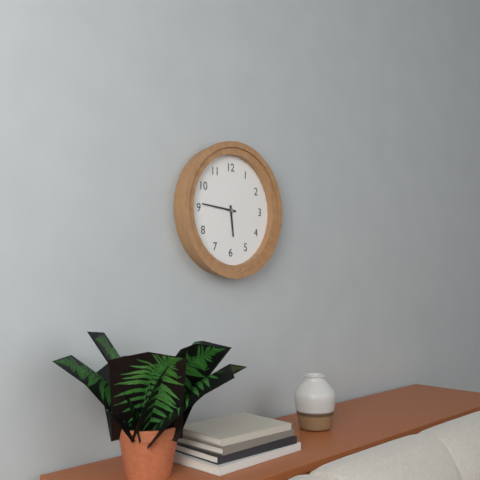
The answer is 5:46
